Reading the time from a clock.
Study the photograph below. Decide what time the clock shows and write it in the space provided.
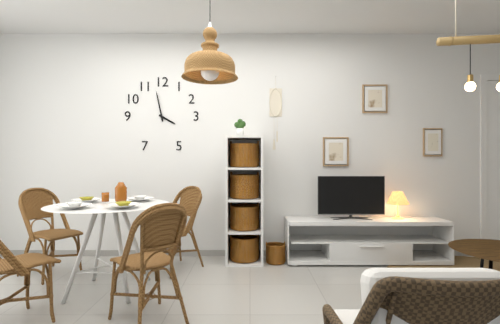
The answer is 3:58
